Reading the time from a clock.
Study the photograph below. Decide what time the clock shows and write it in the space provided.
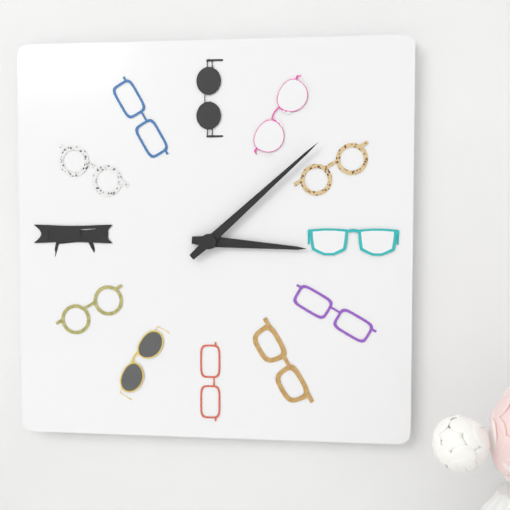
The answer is 3:08
